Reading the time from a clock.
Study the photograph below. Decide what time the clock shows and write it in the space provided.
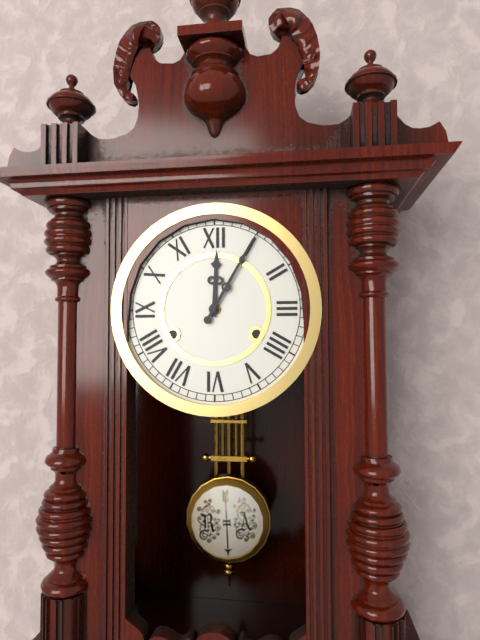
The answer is 12:05
